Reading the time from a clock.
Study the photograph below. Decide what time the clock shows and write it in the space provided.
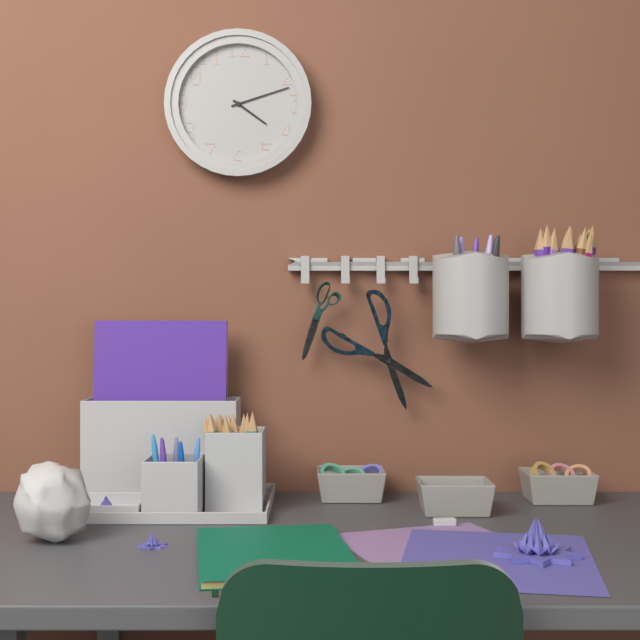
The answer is 4:12
